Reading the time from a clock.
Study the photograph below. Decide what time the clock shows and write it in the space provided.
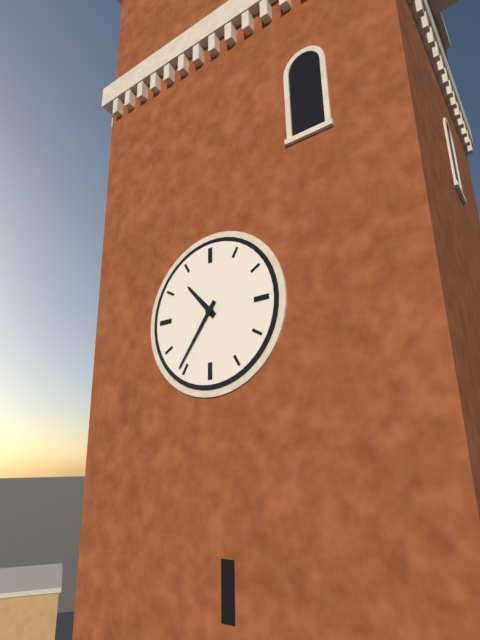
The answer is 10:36
